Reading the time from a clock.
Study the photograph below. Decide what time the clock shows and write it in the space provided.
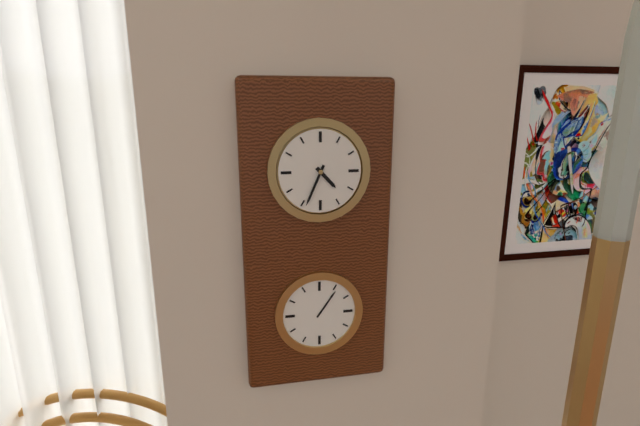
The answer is 4:34
